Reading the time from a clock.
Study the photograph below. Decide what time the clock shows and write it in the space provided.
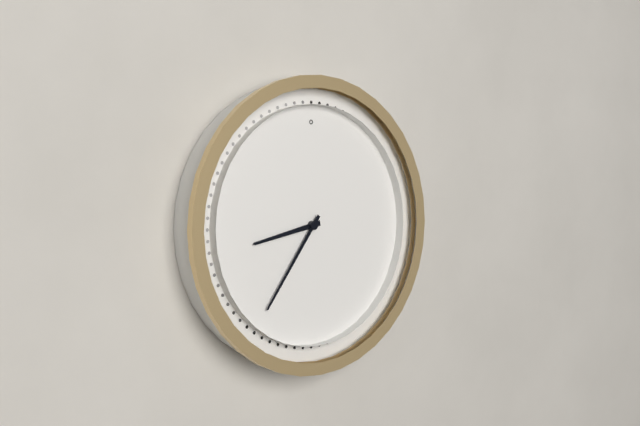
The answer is 8:36
